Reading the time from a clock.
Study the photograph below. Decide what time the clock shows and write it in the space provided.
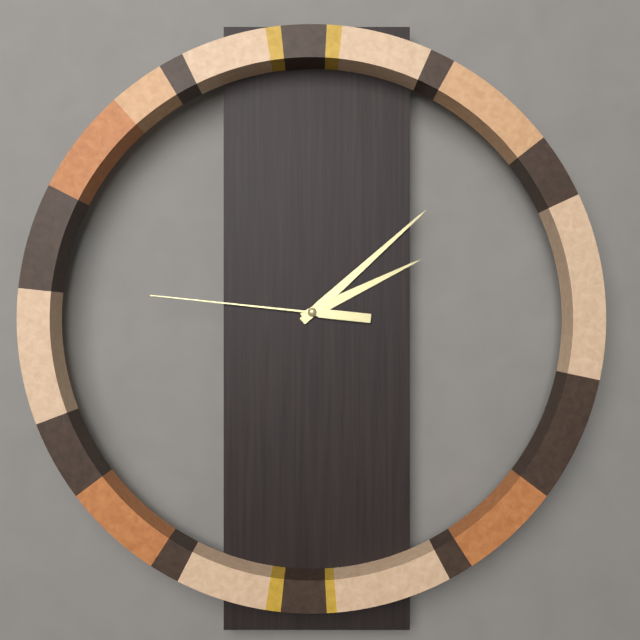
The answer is 2:08:46
